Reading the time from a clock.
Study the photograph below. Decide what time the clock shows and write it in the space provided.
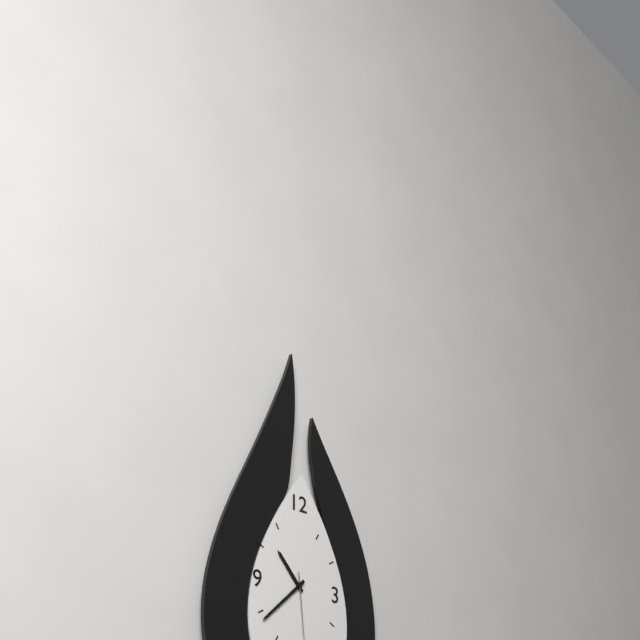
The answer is 10:38
